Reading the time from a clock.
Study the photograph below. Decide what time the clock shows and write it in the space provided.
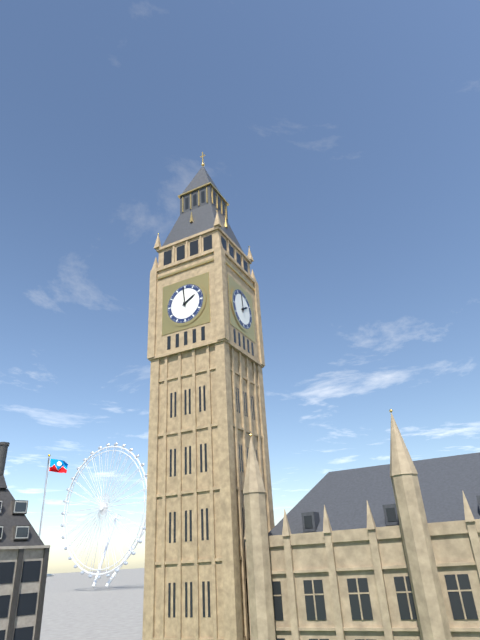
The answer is 1:59
